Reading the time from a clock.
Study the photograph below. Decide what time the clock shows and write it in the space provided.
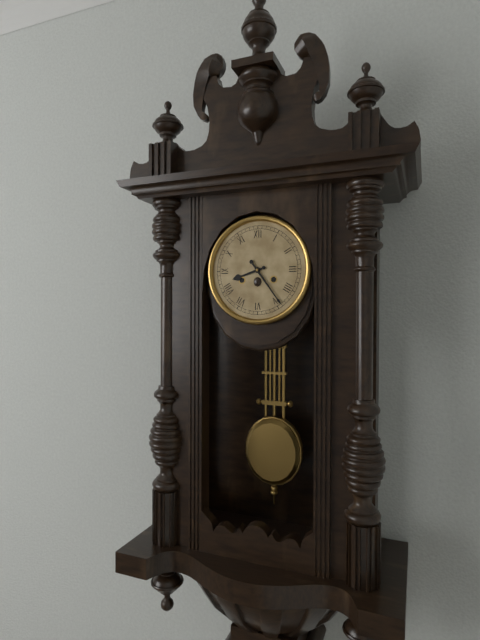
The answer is 8:24
